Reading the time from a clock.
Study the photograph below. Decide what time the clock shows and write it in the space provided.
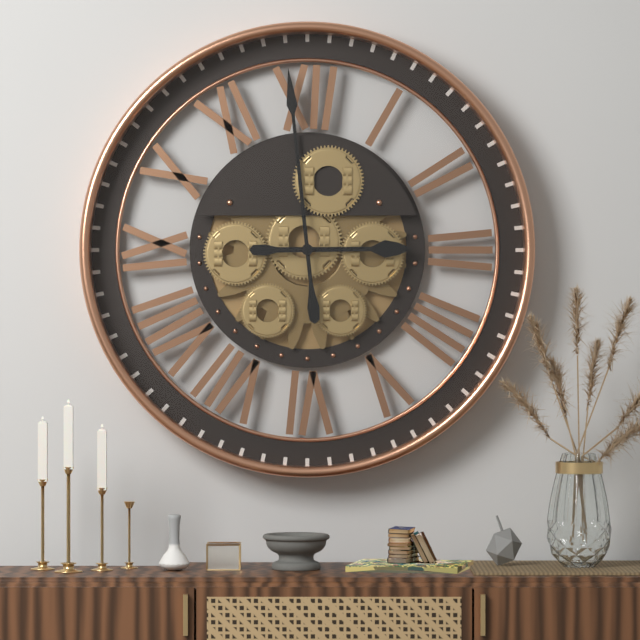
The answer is 2:59
